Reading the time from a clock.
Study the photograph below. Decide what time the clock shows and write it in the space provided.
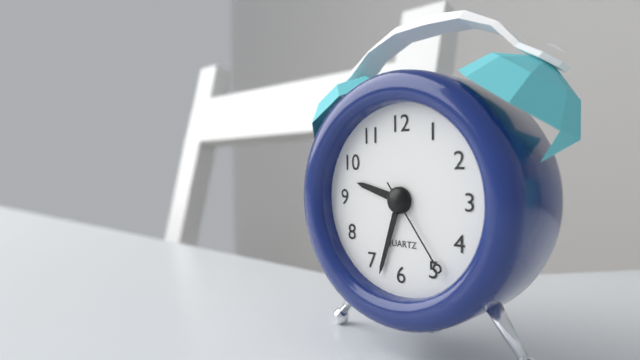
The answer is 9:33:24
